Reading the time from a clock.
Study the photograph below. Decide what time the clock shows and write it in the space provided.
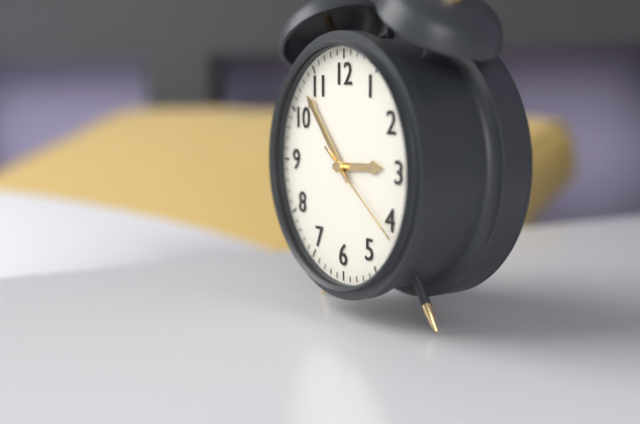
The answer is 2:53:21
